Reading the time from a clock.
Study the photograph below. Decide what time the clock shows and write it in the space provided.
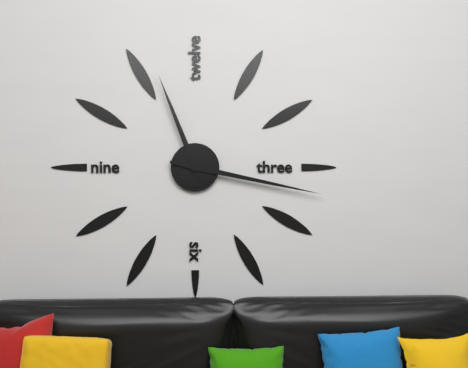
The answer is 11:17
